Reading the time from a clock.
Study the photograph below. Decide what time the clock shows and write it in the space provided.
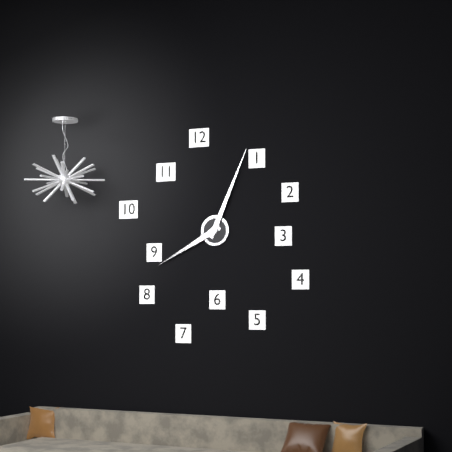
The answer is 8:04
